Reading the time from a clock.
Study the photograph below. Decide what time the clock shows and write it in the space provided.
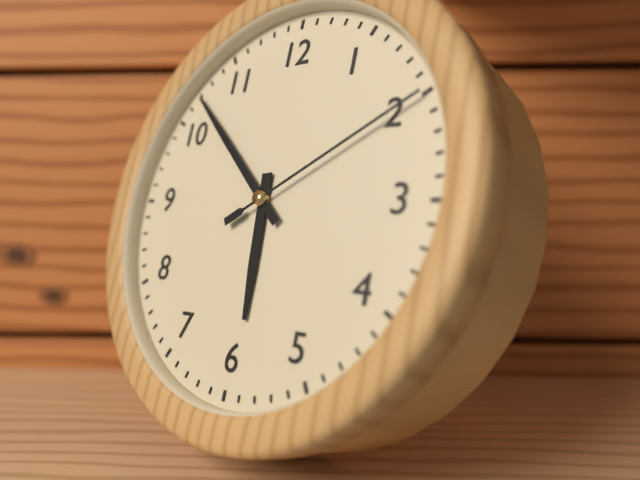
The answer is 5:52:10
